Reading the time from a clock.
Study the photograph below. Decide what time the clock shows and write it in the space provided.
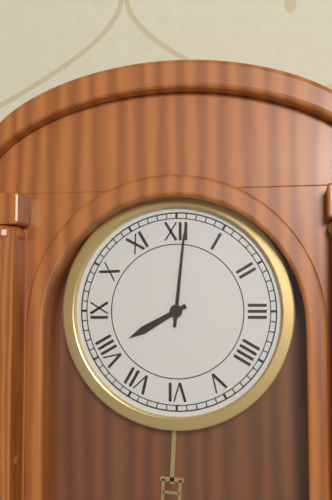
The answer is 8:01
